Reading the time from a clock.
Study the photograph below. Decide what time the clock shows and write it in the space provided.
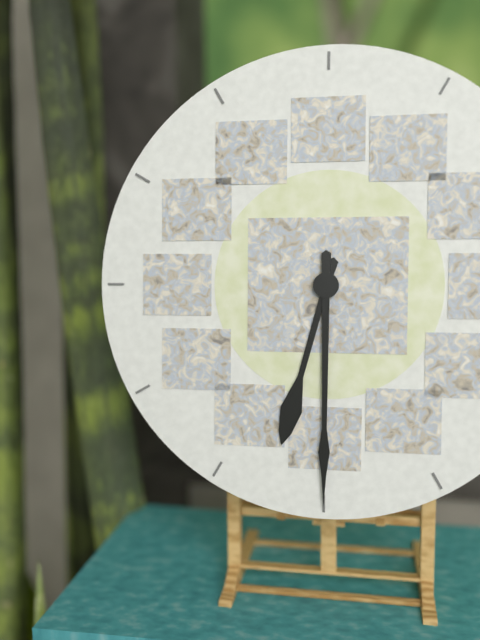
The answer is 6:30
